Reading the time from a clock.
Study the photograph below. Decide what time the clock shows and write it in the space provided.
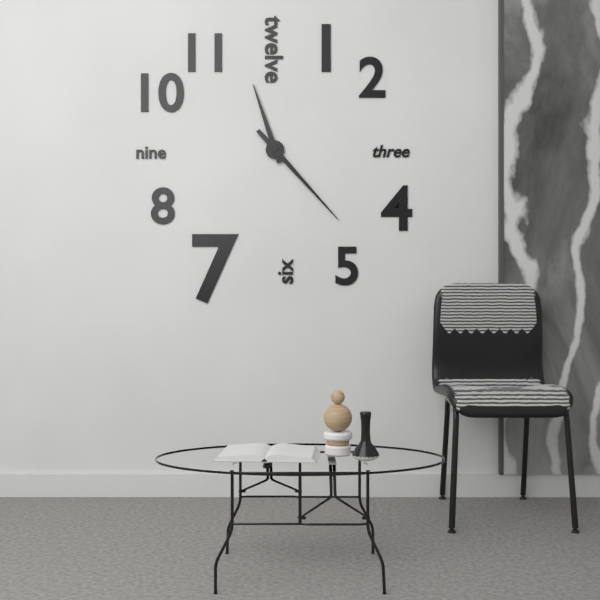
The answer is 11:23
